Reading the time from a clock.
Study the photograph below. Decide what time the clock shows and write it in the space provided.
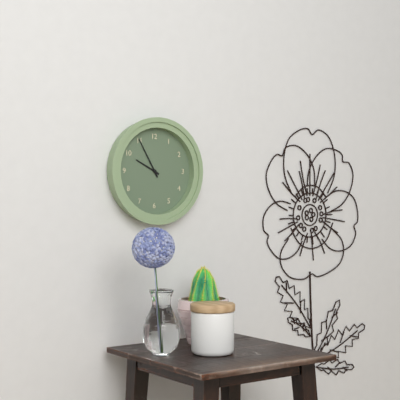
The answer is 9:55
